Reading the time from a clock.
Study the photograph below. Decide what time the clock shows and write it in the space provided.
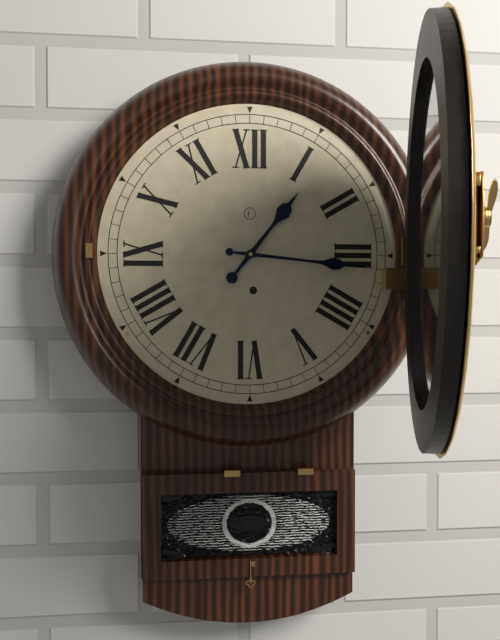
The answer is 1:16
